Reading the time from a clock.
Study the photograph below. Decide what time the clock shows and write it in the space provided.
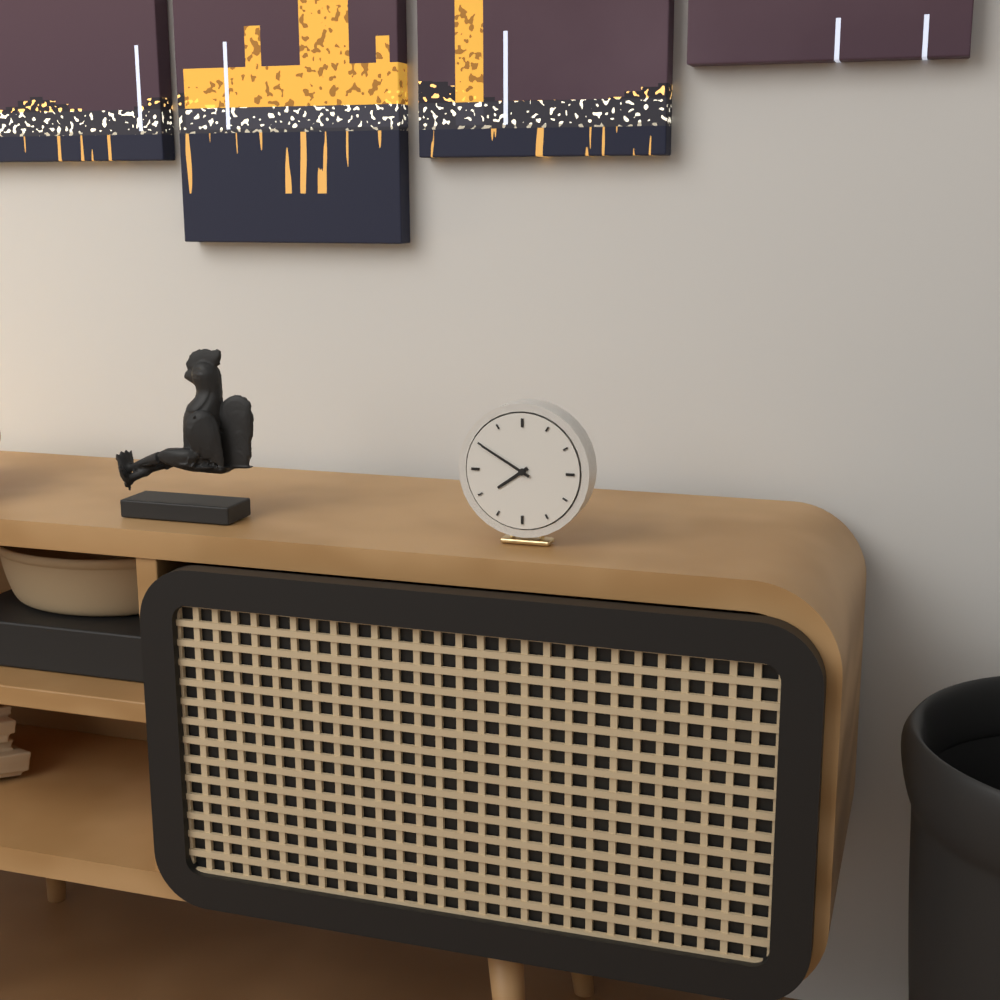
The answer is 7:50
